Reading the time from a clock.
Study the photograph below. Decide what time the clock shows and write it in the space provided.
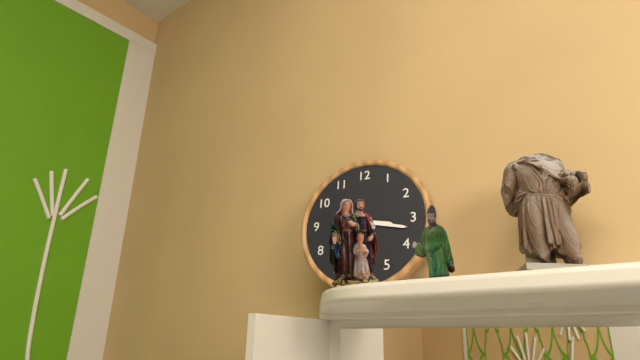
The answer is 3:17
